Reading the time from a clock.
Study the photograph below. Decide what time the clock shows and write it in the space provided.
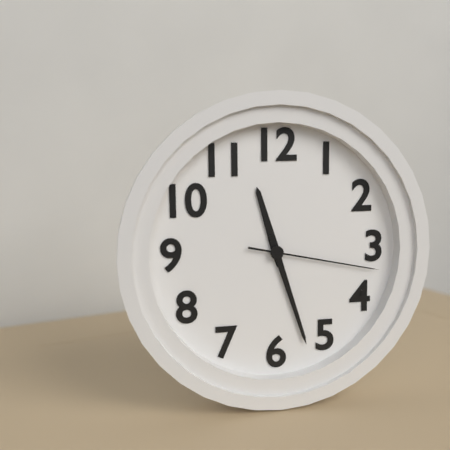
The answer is 11:27:17
